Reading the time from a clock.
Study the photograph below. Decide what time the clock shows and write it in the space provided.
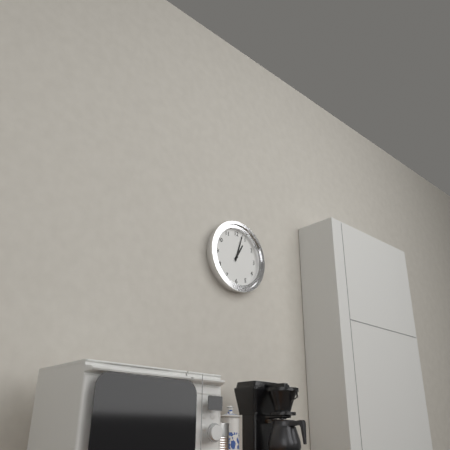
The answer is 1:03
